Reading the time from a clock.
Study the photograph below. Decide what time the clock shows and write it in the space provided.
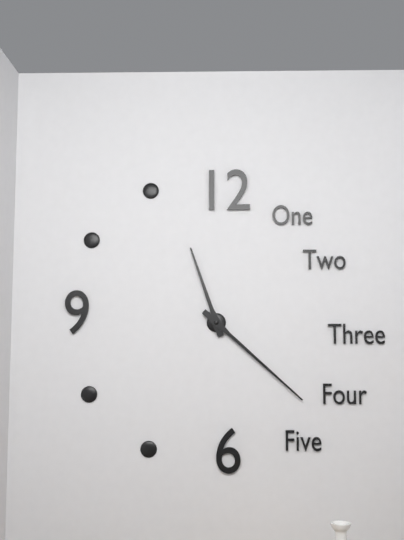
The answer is 11:22
